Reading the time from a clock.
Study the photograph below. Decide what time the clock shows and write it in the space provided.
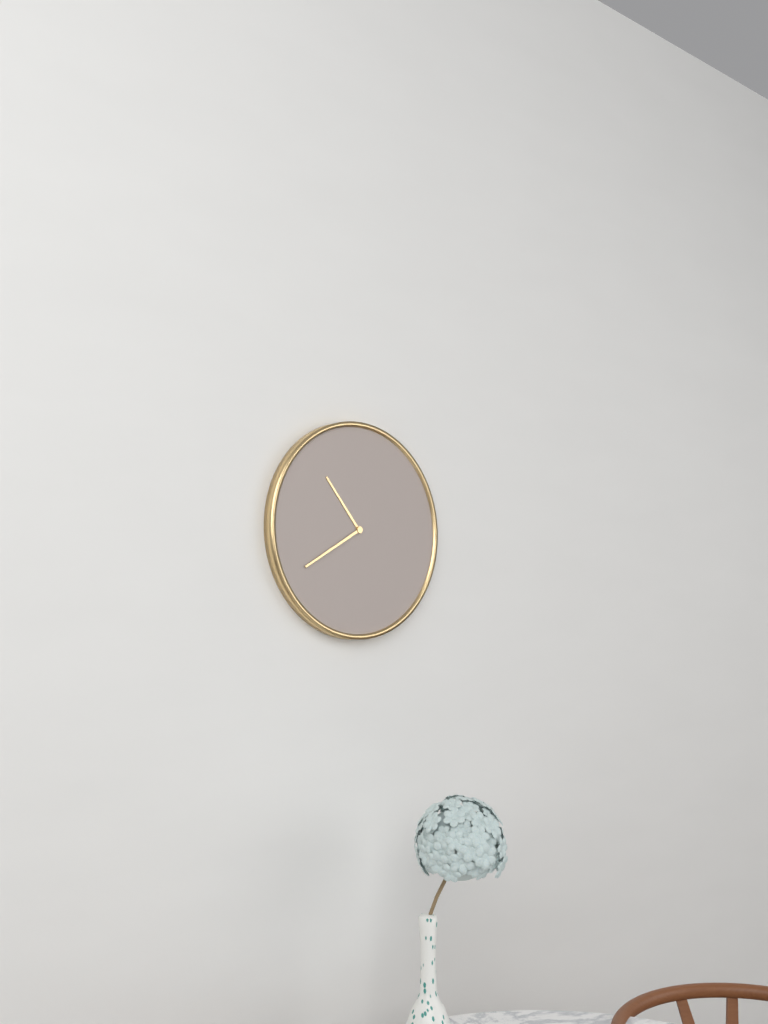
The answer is 10:40
